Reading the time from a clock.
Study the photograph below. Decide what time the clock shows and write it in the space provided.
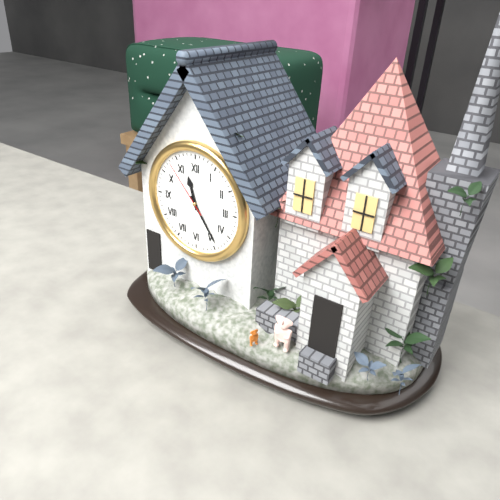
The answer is 11:24:53
